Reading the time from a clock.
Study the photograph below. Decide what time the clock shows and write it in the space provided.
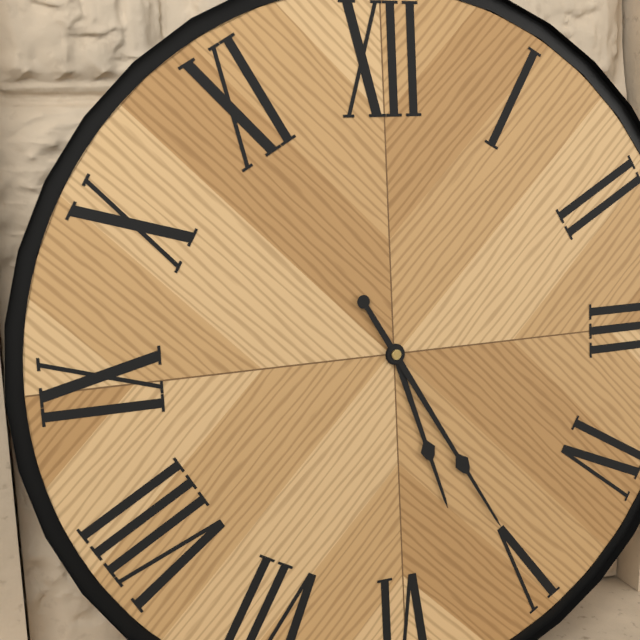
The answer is 5:25
